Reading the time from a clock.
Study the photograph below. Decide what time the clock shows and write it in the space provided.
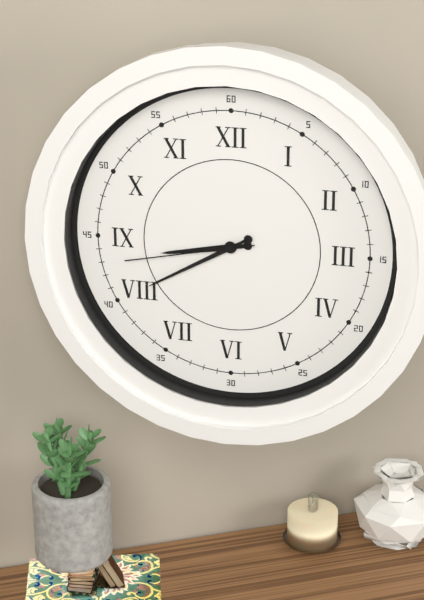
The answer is 8:40:43
